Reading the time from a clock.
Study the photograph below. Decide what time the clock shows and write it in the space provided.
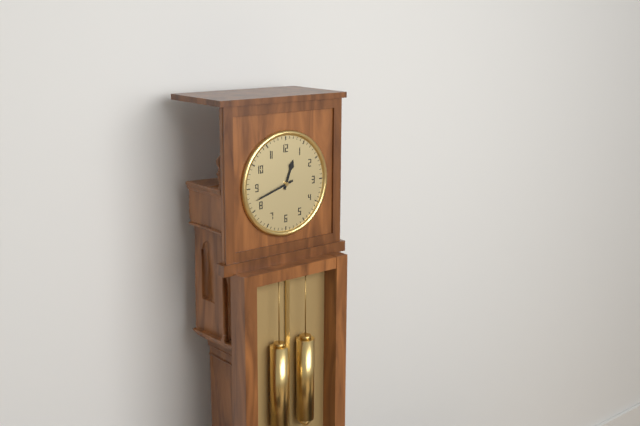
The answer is 12:42
